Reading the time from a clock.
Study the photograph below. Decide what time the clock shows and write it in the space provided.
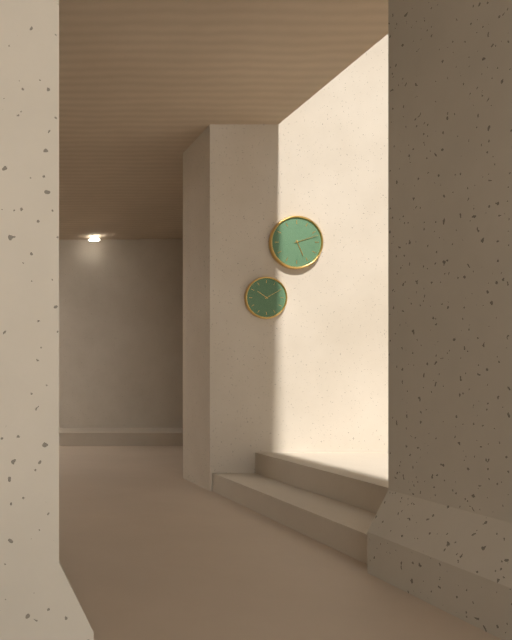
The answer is 5:12
